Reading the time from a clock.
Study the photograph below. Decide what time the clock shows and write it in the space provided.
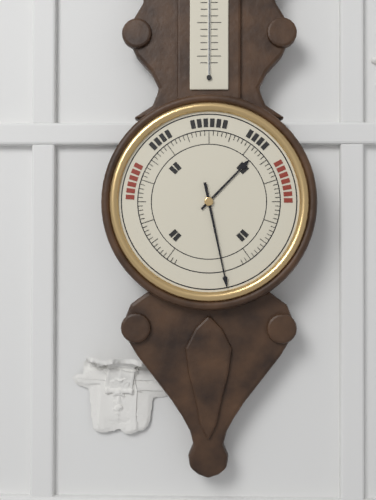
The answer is 1:28
